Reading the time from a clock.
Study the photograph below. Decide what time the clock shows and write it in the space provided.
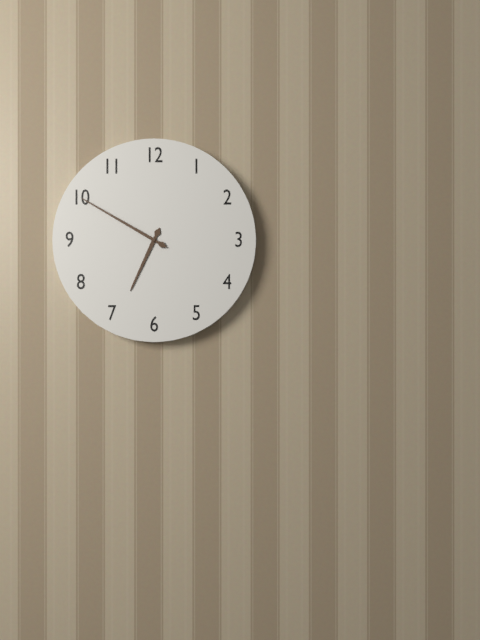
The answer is 6:50
